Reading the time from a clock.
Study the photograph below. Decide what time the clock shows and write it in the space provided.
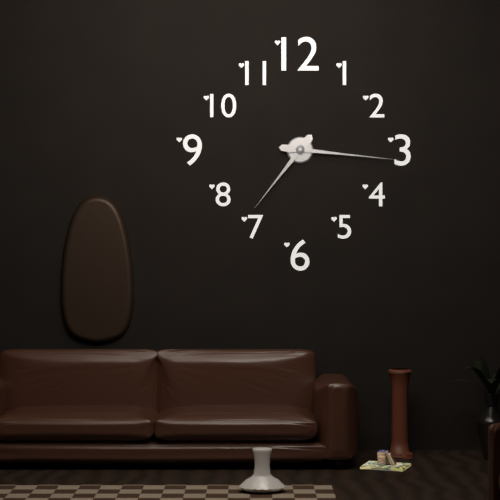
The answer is 7:16
